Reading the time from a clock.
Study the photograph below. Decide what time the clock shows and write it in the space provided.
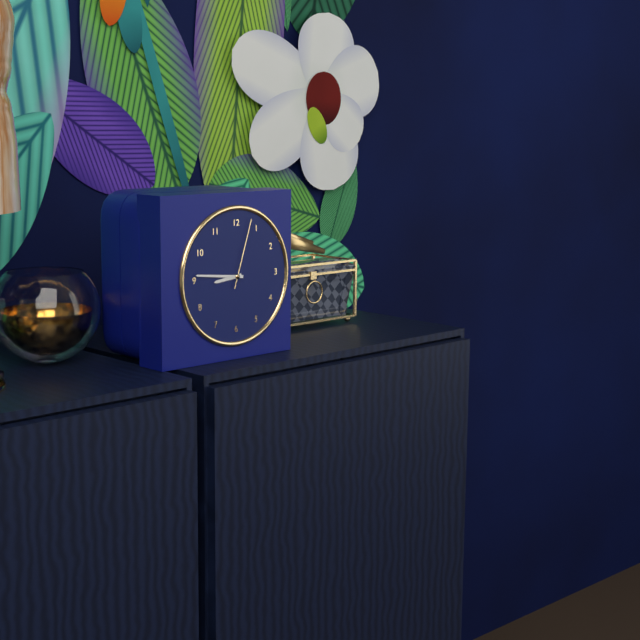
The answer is 8:46:03
